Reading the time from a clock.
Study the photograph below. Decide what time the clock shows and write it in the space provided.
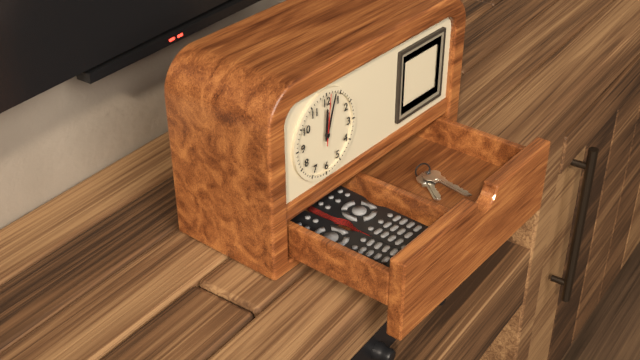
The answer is 12:03:01
